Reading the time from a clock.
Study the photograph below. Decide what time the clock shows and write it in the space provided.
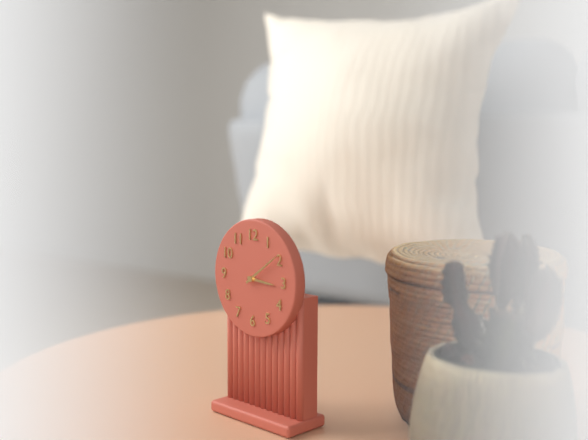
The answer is 3:09
